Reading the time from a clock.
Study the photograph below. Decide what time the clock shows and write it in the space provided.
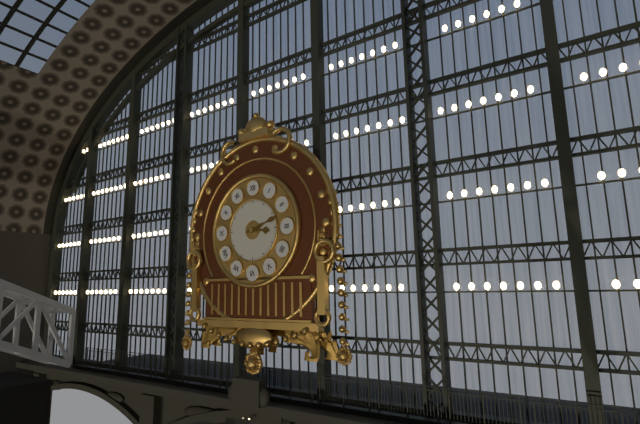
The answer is 3:12
